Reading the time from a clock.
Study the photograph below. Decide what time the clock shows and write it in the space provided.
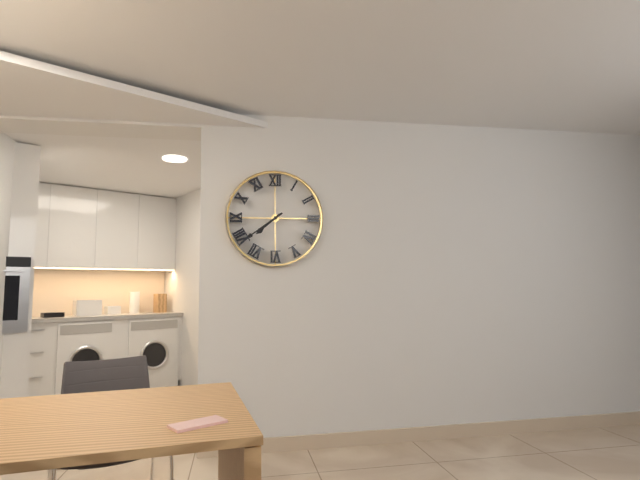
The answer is 7:39
